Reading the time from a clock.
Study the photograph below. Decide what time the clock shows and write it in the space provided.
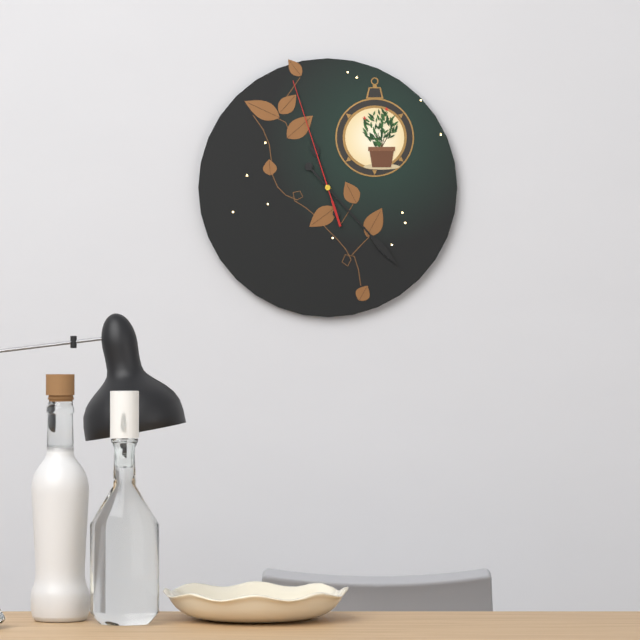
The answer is 11:23:57
